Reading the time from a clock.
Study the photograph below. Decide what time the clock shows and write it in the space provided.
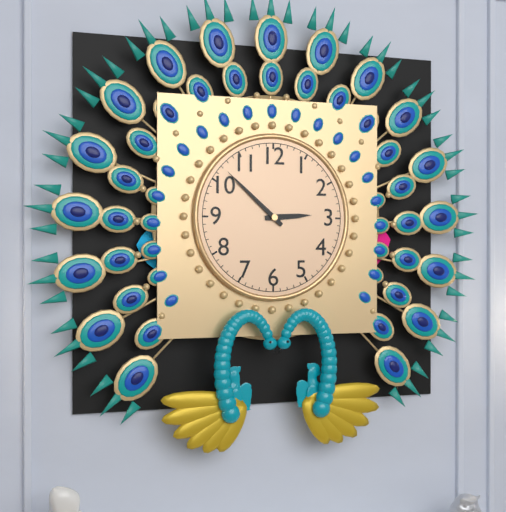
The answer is 2:52
